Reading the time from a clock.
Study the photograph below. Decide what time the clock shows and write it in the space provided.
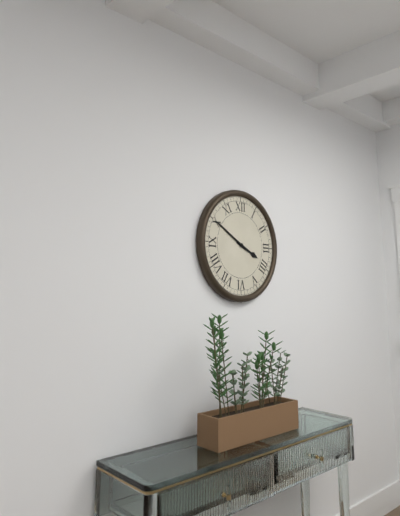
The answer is 3:50
